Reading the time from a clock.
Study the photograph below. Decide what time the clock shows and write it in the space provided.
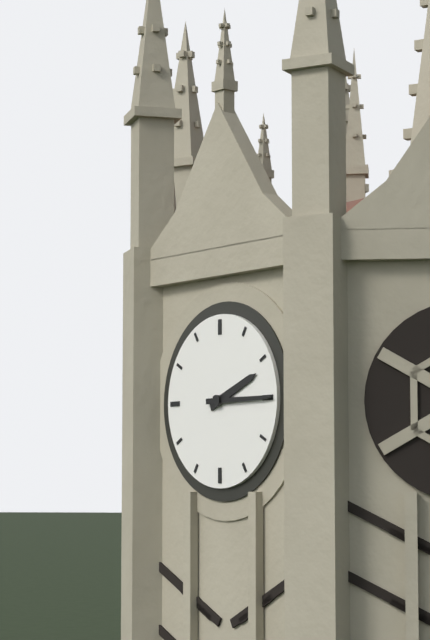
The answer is 2:15
